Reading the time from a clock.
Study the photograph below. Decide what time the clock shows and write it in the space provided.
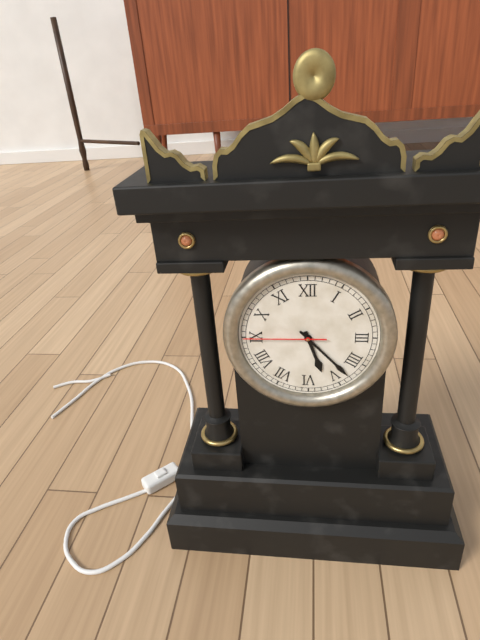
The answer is 5:23:45
